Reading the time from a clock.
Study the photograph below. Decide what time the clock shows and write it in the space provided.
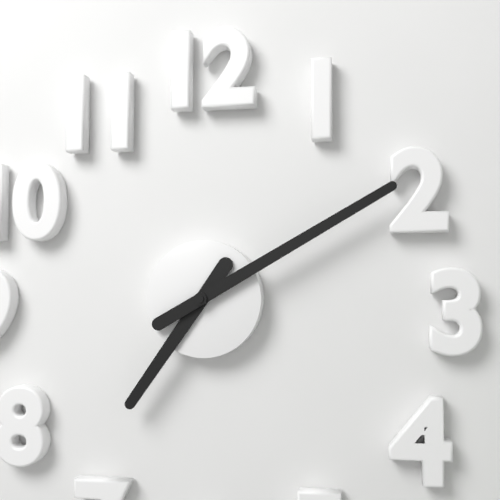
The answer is 7:10
